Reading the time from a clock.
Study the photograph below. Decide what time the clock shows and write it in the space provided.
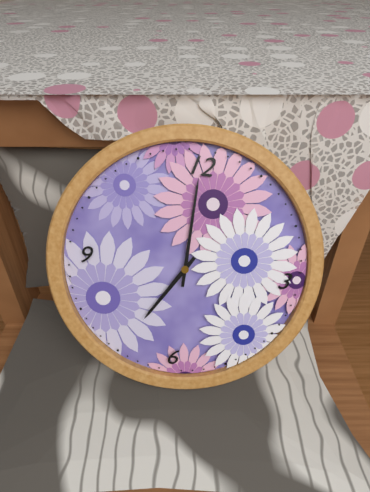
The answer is 7:00
